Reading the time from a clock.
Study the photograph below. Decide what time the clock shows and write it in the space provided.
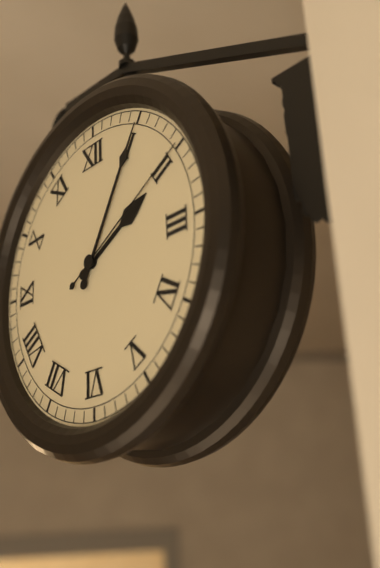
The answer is 2:05:10
